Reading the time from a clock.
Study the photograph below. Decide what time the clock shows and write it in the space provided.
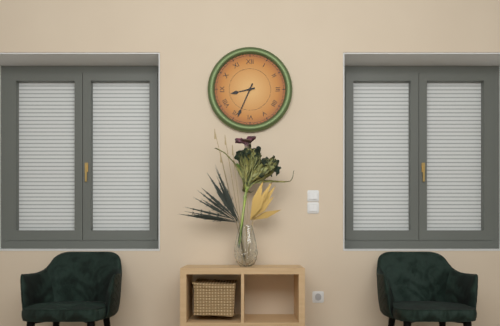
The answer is 8:34
